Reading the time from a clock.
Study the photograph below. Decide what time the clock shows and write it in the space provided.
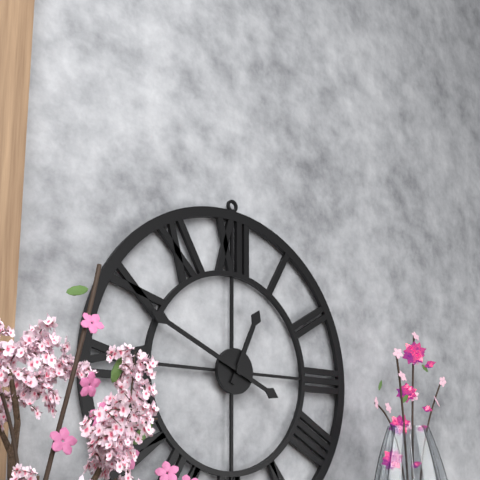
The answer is 12:49
